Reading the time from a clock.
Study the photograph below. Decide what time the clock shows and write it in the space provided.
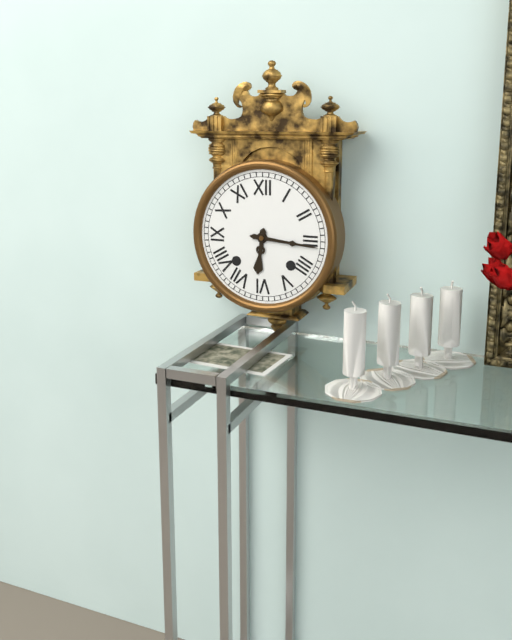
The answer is 6:16
